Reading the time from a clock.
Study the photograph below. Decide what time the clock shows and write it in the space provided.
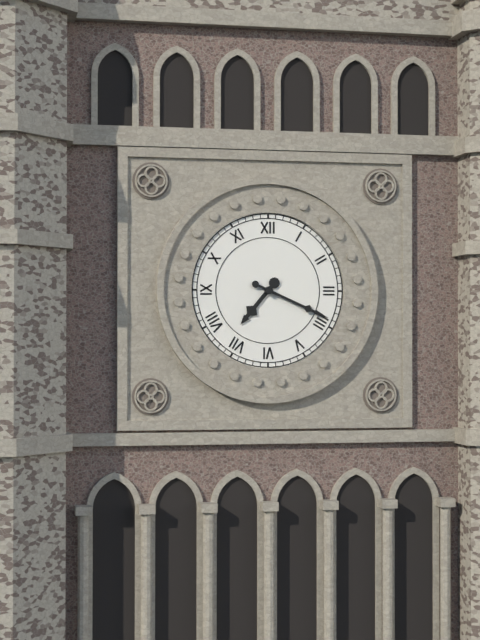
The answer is 7:19
